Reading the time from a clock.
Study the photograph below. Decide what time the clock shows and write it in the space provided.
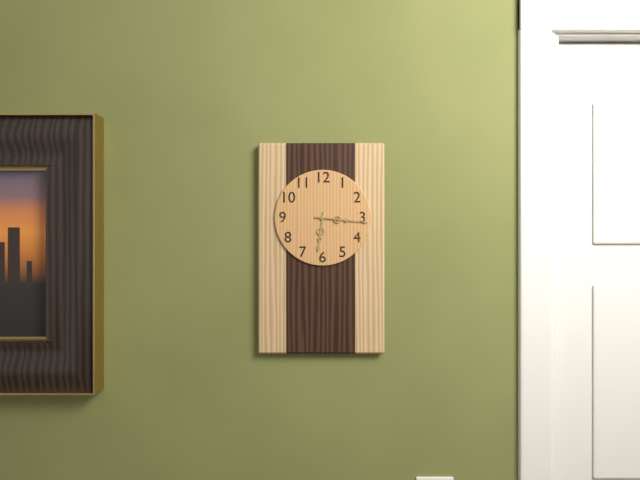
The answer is 6:16
